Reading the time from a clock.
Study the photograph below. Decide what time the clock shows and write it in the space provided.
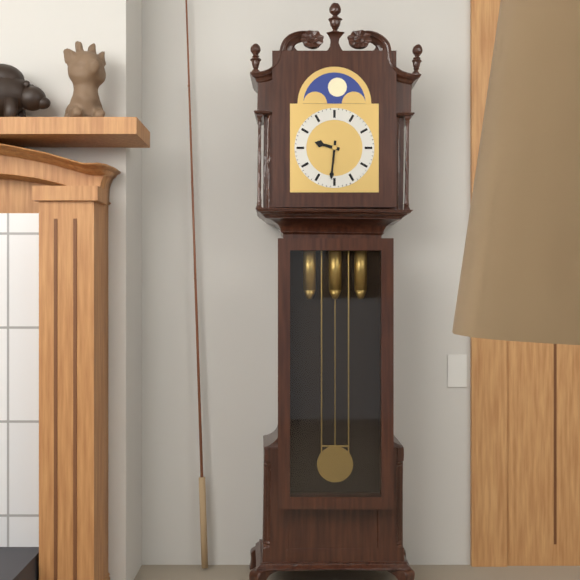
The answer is 9:31
